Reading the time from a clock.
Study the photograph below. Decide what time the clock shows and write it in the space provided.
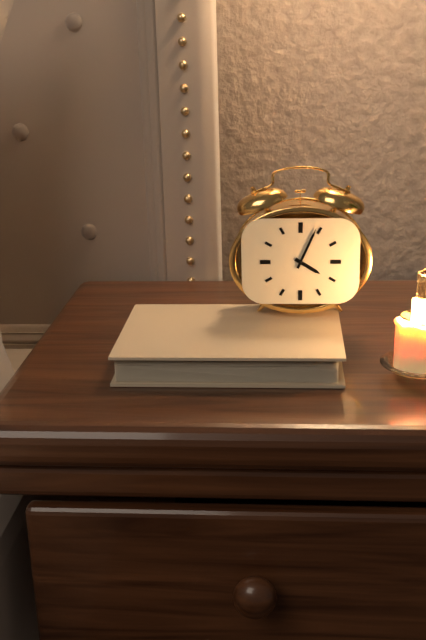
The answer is 4:04
